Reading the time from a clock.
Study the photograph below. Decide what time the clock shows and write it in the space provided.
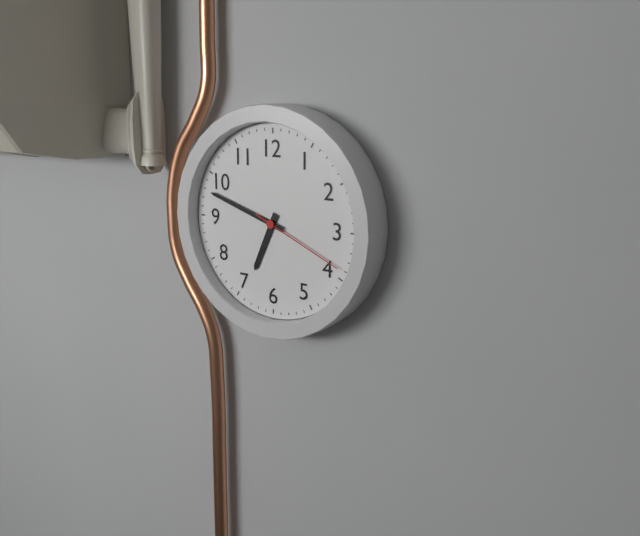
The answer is 6:48:19
